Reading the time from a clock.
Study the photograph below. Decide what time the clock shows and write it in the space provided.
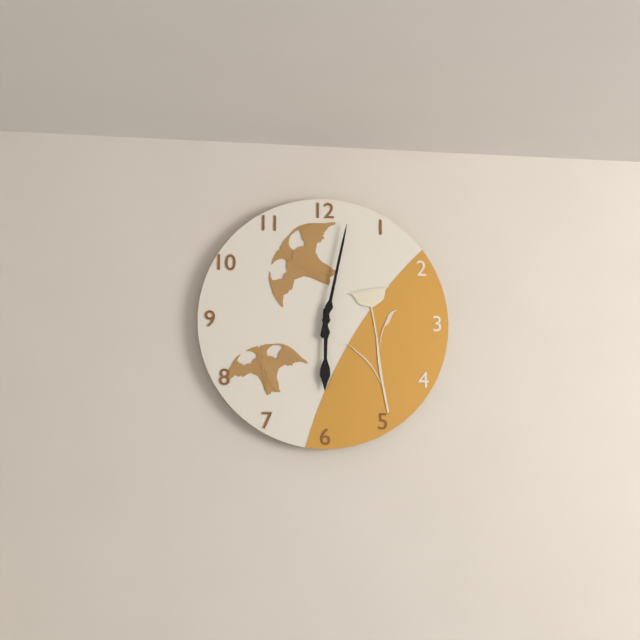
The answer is 6:02
